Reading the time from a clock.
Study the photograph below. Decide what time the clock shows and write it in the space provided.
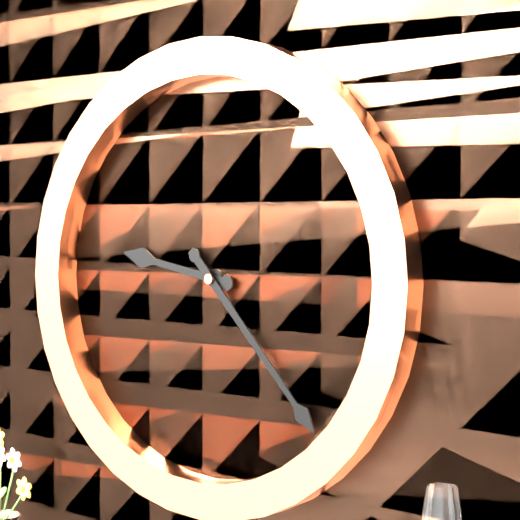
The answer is 9:23
